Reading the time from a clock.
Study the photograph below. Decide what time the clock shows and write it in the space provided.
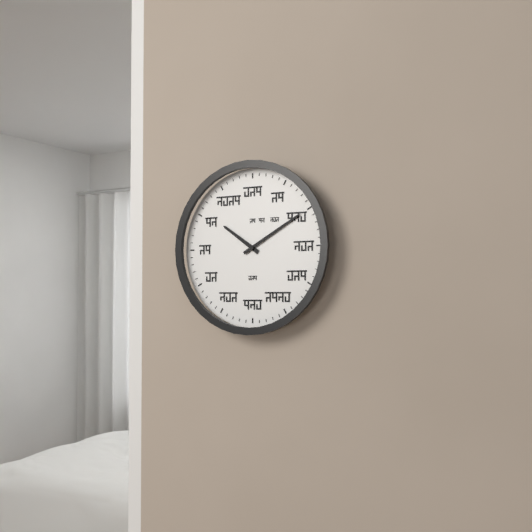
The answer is 10:10
